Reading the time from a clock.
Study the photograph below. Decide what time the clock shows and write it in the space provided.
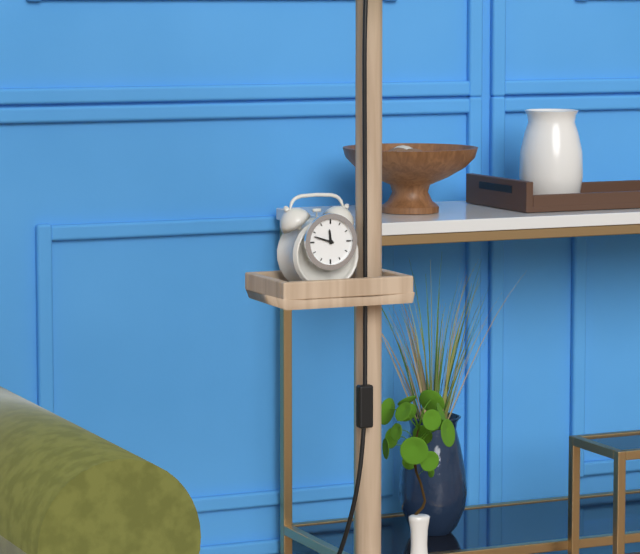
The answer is 11:48
